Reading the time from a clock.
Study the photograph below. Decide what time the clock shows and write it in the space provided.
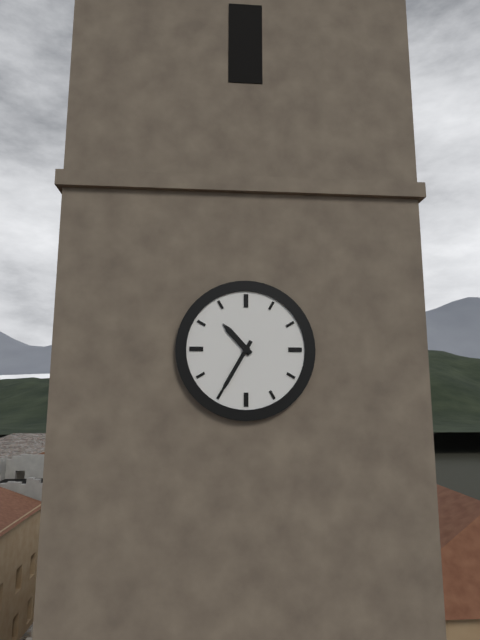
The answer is 10:35
